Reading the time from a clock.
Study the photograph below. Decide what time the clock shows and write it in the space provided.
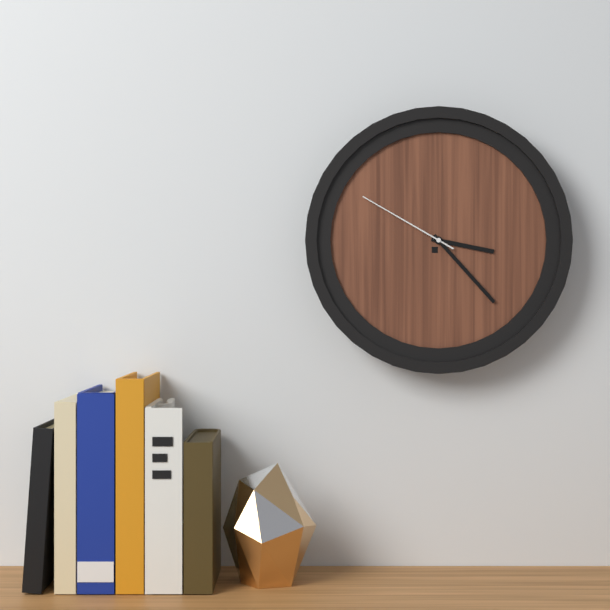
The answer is 3:23:50
